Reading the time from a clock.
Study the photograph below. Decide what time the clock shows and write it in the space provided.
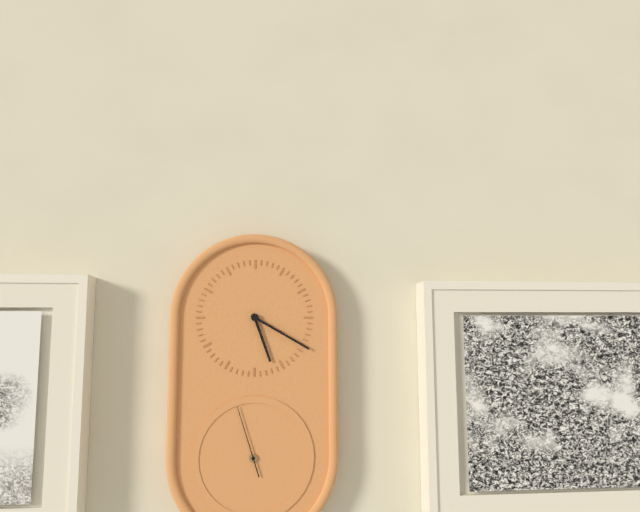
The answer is 5:20:57
